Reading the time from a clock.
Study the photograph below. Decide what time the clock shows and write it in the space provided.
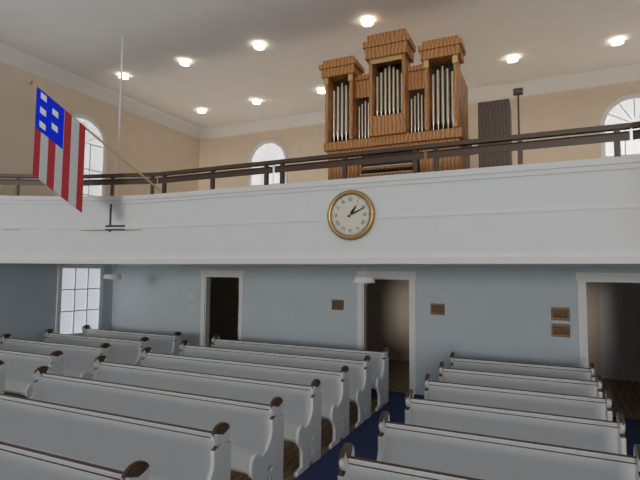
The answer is 1:11
